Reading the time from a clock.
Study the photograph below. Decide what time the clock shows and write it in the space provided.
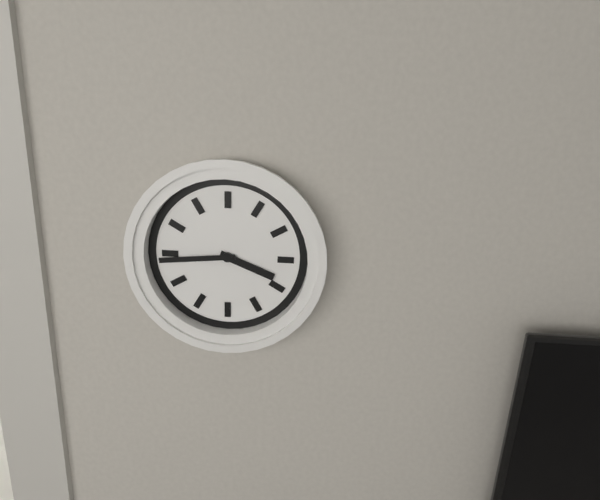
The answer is 3:44
